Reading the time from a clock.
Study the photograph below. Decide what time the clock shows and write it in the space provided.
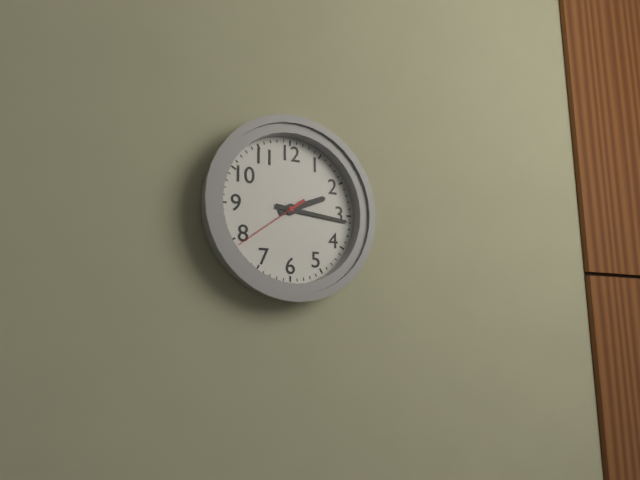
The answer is 2:16:39
